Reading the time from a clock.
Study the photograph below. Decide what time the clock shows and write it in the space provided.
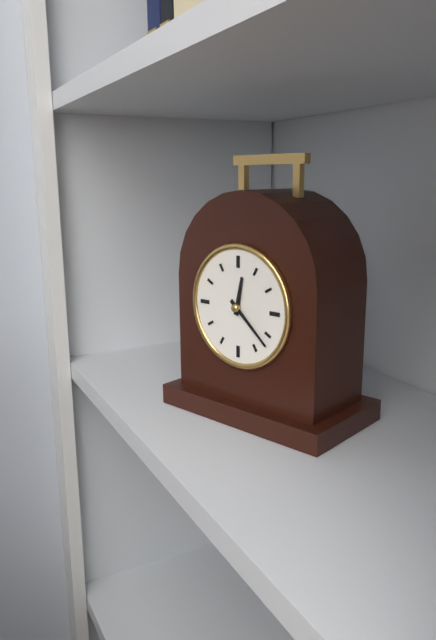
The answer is 12:22
